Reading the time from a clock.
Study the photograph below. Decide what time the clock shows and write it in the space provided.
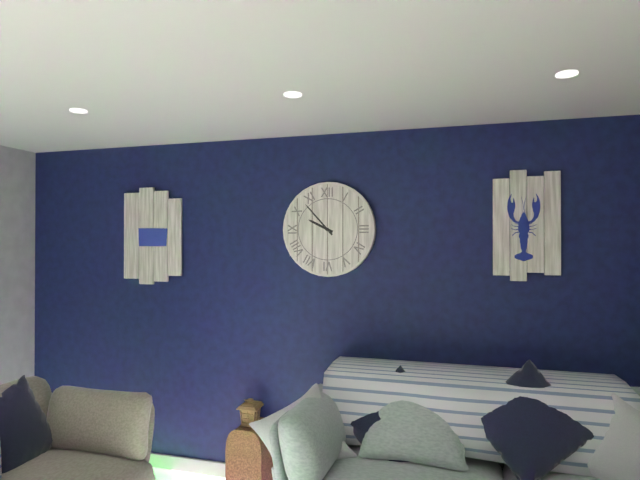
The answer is 9:53
